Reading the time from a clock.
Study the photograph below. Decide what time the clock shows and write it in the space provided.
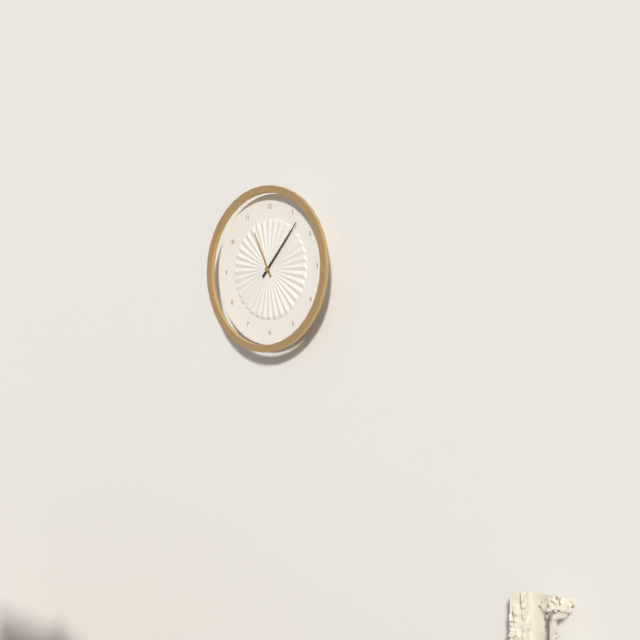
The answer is 11:07
